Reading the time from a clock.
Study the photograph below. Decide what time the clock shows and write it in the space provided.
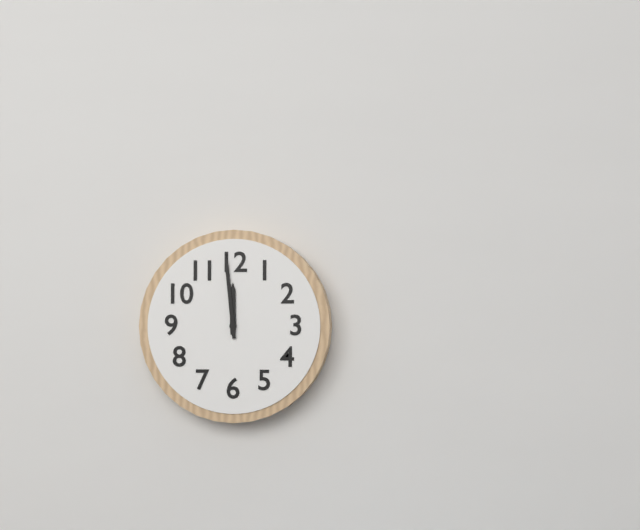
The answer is 11:59
